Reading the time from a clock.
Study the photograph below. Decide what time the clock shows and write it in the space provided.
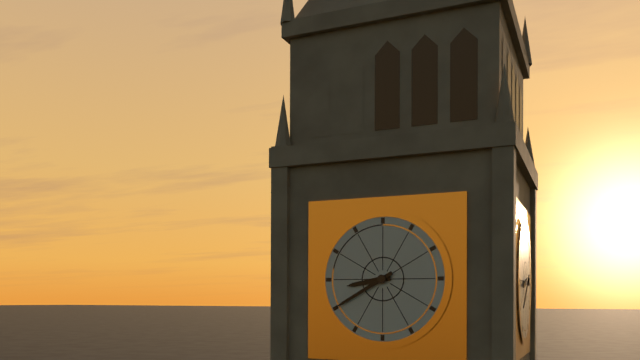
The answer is 8:40
